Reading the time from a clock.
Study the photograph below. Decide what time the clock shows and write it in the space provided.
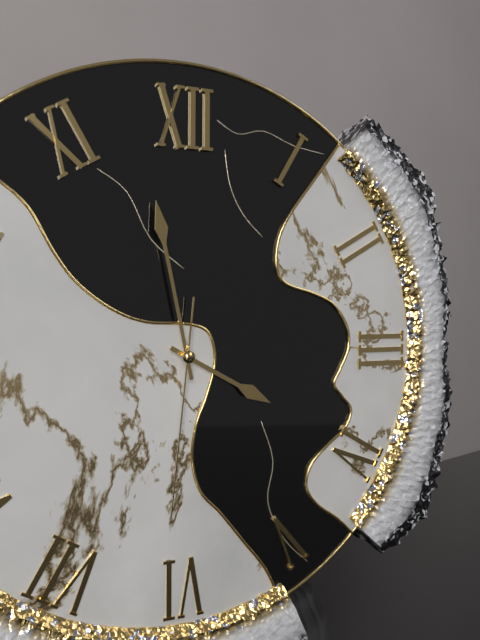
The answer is 3:58:31
